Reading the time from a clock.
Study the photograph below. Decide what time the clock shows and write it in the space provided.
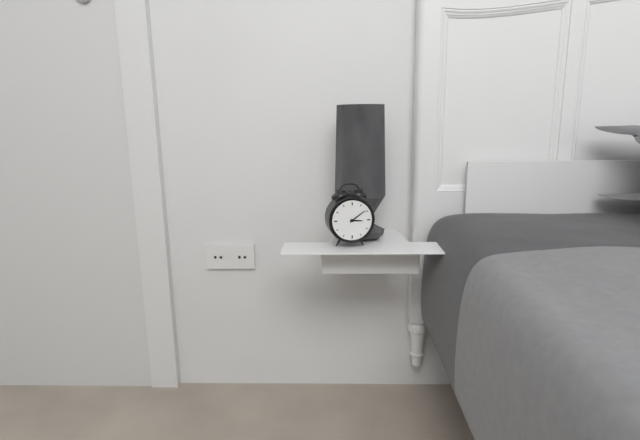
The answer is 3:09
